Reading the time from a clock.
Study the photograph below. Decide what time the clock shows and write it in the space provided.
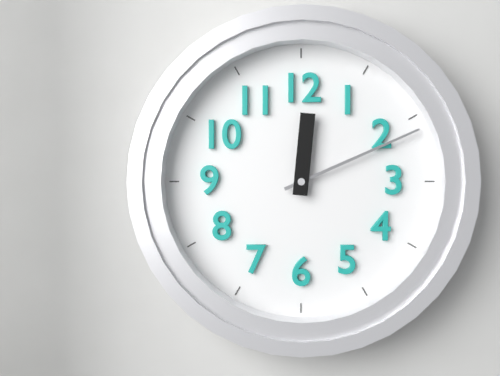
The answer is 12:11
